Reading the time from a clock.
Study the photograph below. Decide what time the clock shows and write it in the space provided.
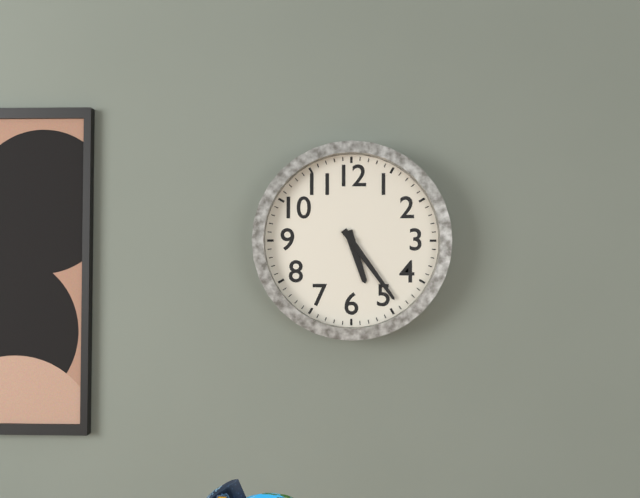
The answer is 5:24
